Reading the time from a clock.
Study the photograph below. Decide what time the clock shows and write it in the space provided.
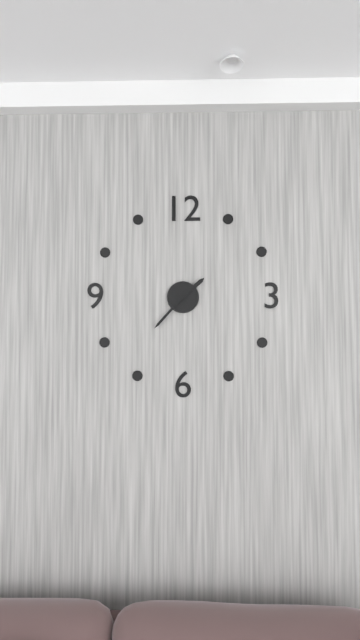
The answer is 1:37
